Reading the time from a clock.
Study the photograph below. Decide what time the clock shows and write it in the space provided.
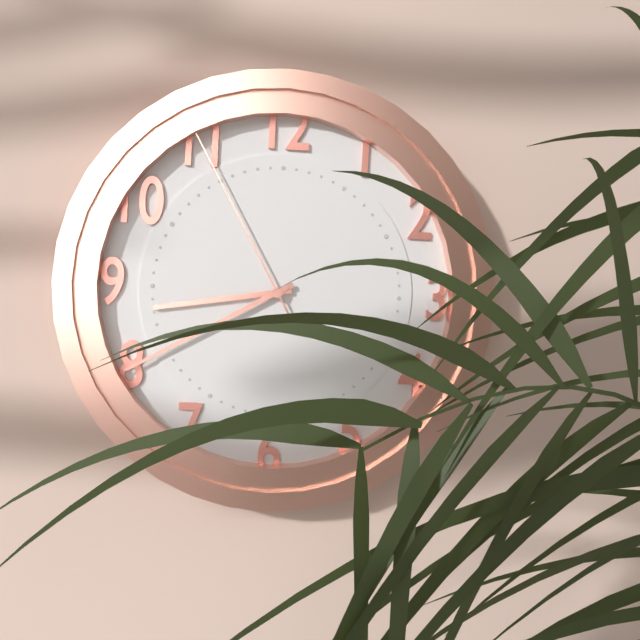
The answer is 8:40:55
